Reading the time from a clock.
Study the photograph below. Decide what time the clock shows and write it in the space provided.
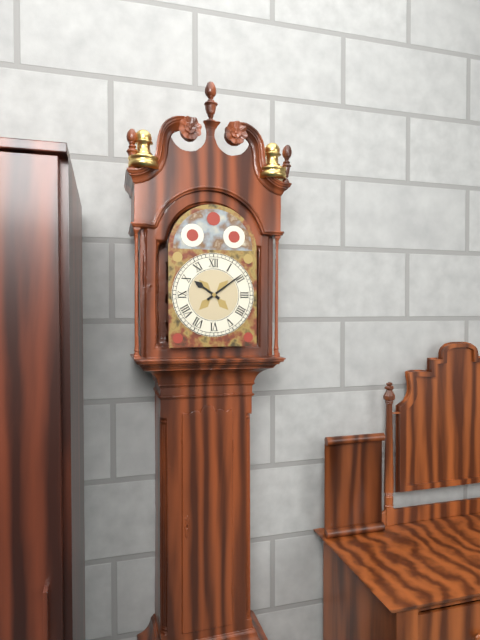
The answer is 10:09
